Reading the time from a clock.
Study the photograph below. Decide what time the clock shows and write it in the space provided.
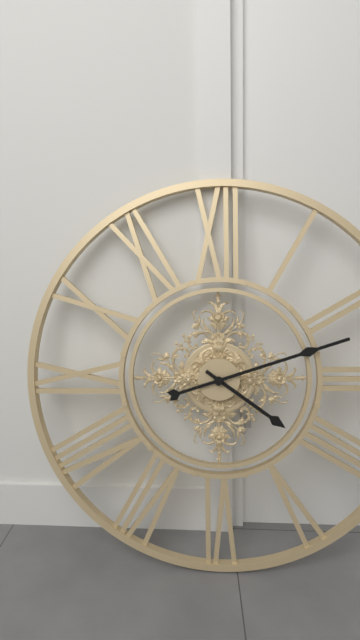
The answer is 4:12
